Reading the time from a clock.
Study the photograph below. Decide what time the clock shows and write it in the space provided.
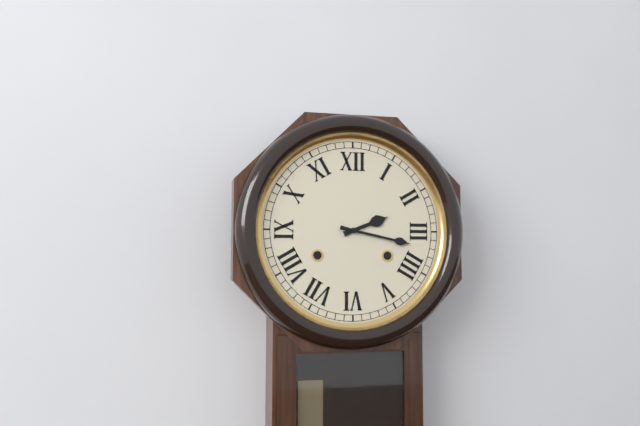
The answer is 2:17
